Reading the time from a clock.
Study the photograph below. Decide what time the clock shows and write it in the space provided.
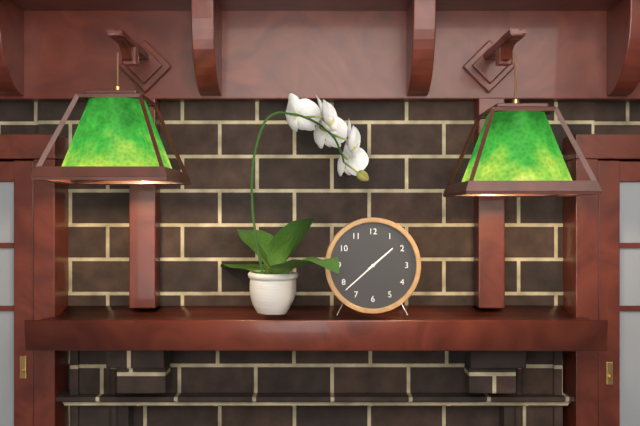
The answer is 1:38
